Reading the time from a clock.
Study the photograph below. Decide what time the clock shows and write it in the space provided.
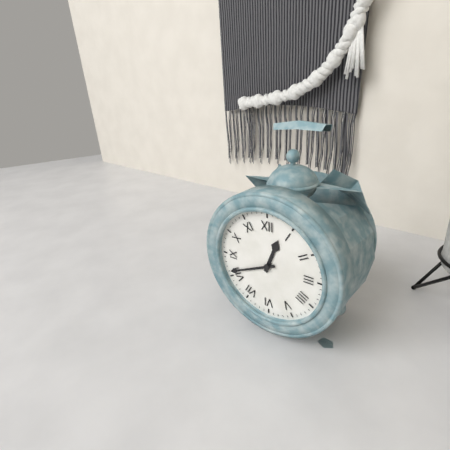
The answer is 12:41
